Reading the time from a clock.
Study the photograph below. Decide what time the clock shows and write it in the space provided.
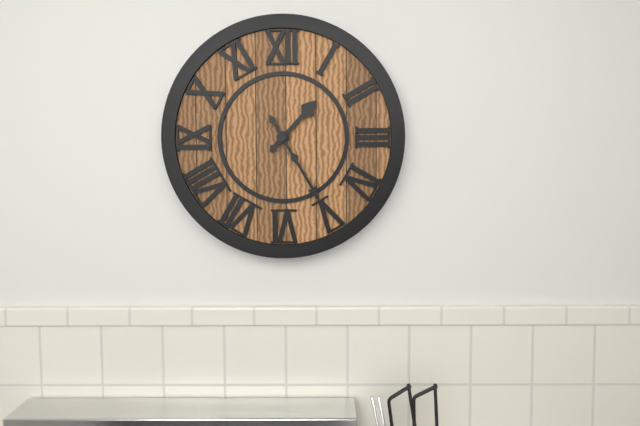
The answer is 1:25
